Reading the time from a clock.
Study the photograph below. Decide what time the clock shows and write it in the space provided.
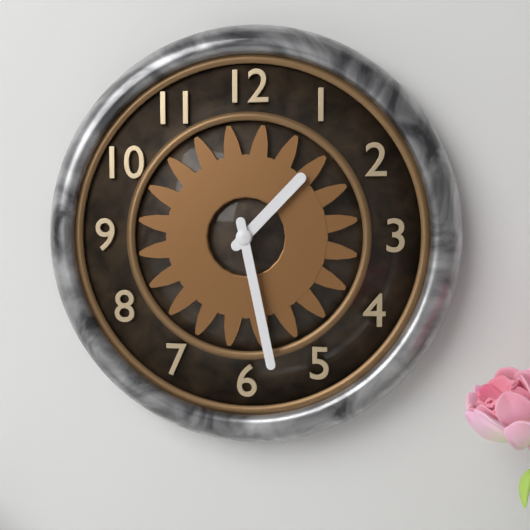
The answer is 1:28
